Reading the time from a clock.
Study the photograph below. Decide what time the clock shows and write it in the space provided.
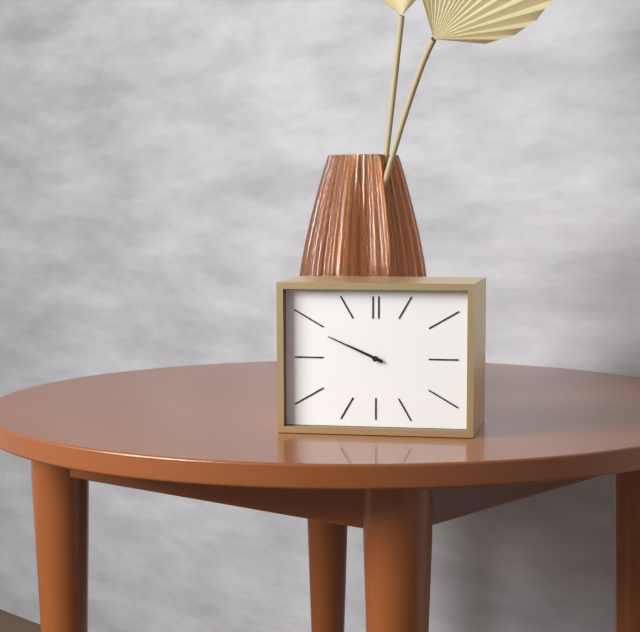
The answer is 9:49
